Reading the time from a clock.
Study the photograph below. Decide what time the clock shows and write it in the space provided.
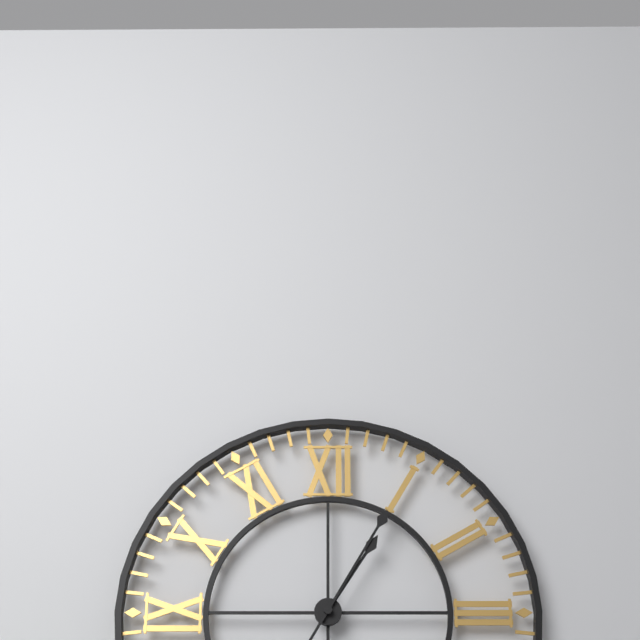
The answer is 1:05
